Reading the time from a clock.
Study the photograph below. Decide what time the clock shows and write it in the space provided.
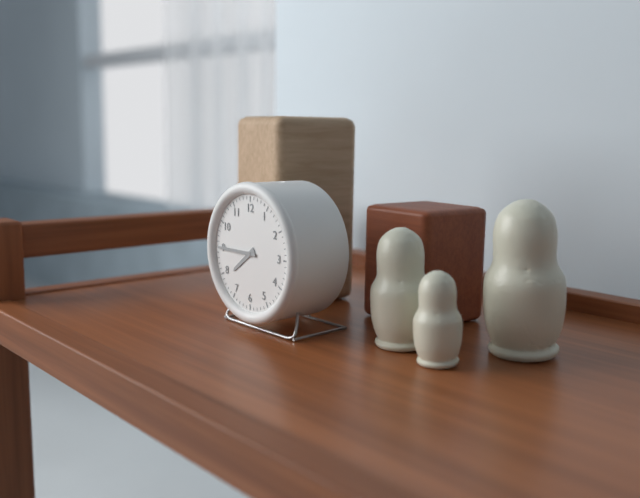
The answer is 7:45
